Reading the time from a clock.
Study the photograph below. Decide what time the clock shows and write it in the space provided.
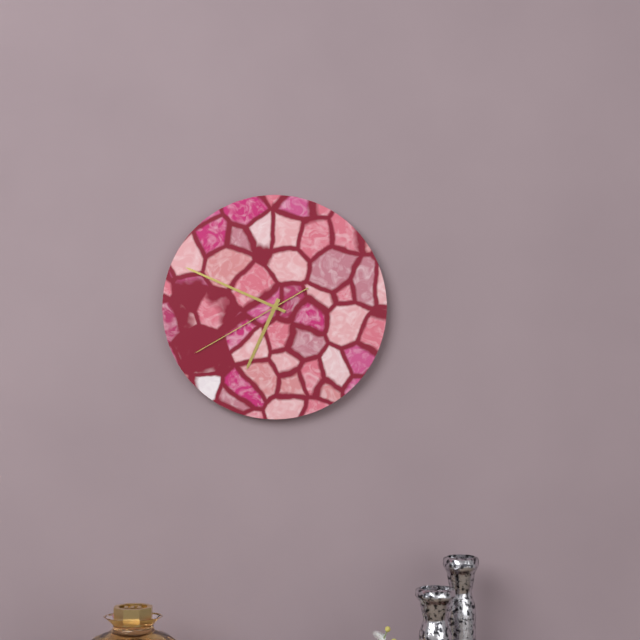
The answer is 6:49:40
